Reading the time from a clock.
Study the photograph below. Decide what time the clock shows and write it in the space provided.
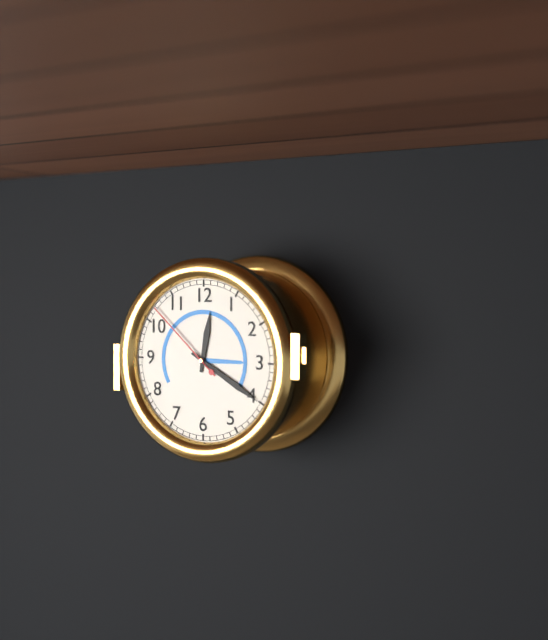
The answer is 12:20:52
